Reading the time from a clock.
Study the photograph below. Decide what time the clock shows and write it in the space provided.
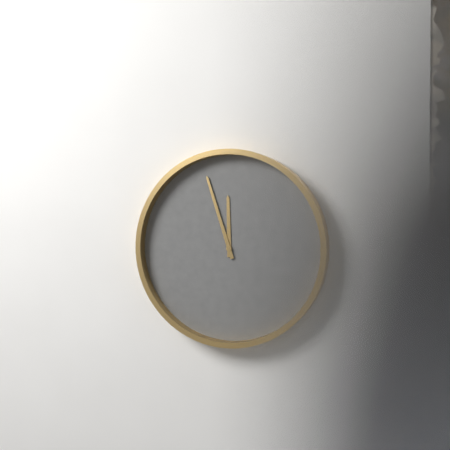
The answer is 11:57
